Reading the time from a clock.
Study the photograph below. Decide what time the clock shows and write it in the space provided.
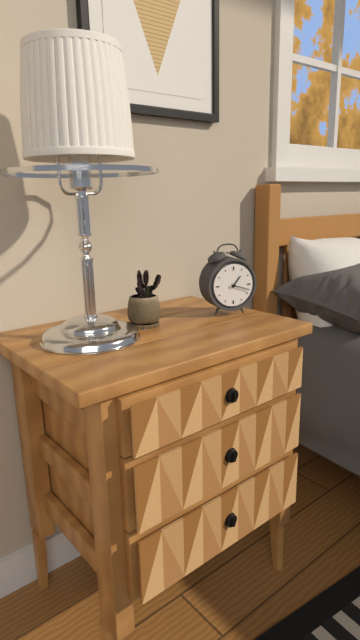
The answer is 1:18
